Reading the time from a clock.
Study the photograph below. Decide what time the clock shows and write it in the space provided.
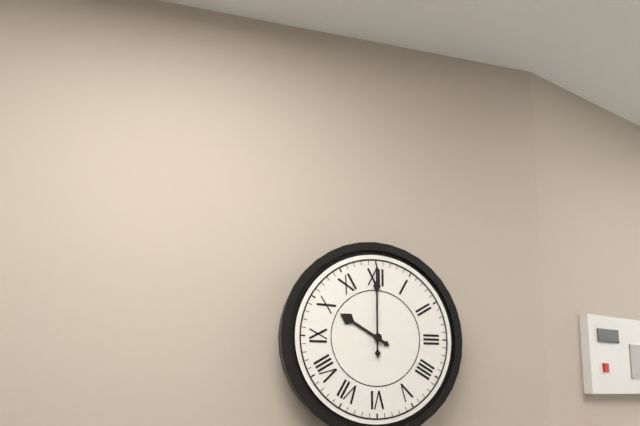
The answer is 10:00
